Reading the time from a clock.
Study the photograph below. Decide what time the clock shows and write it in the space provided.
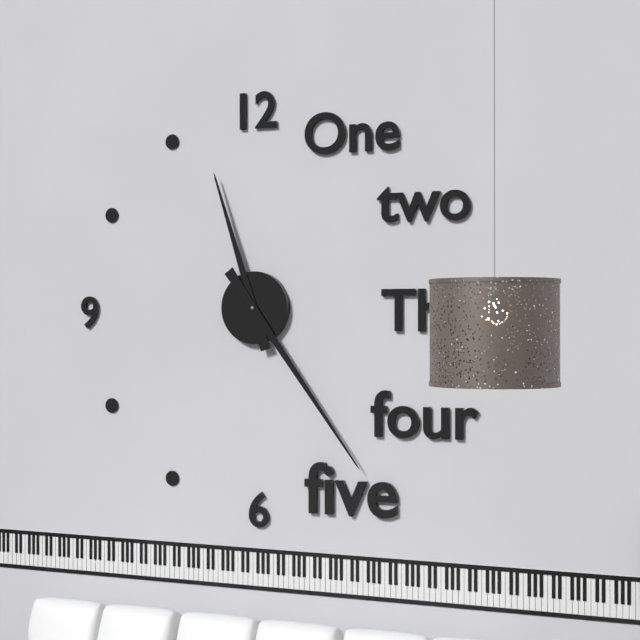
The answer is 11:24
